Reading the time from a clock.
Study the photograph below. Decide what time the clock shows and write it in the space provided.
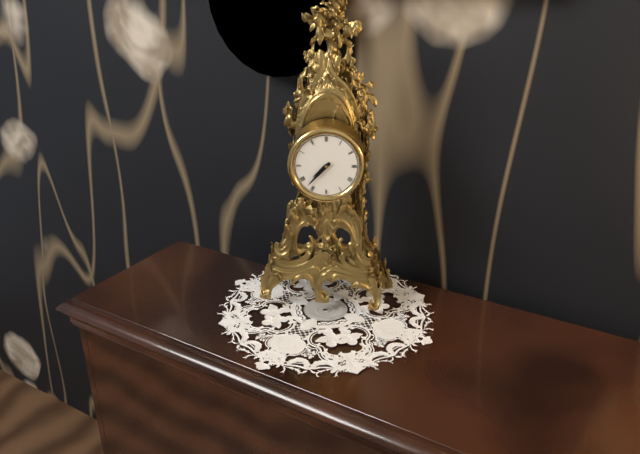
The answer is 7:37
